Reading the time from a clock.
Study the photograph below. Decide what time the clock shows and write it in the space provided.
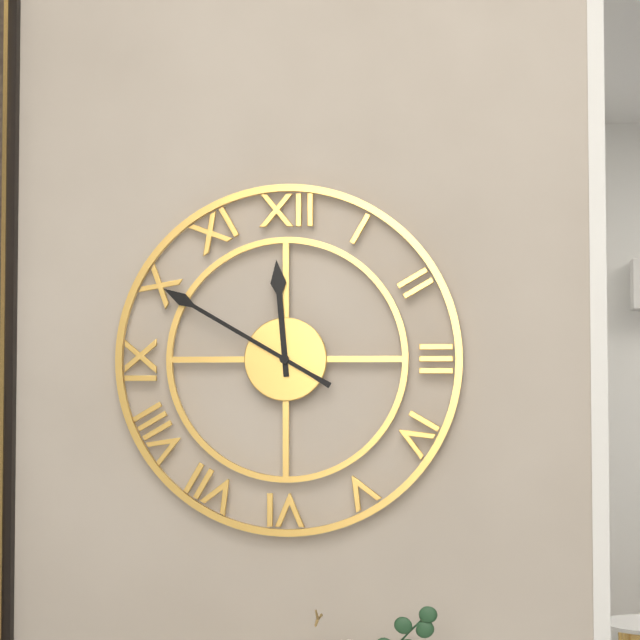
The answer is 11:50
